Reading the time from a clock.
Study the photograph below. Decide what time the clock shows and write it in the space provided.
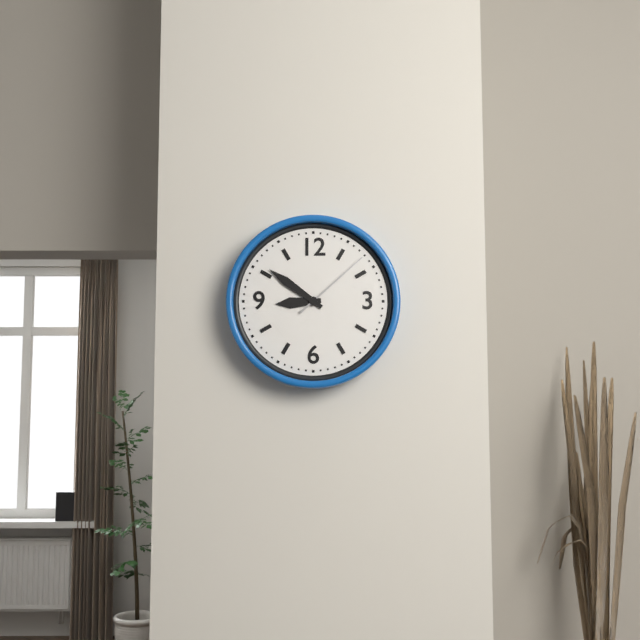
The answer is 8:51:08
